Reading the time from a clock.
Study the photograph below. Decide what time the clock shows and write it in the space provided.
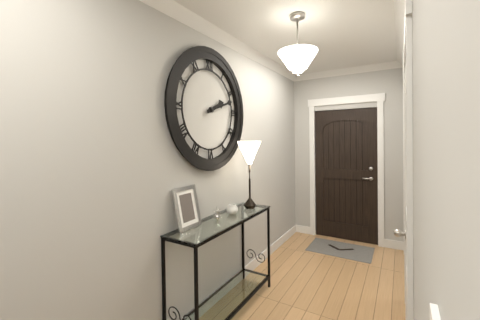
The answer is 2:12
